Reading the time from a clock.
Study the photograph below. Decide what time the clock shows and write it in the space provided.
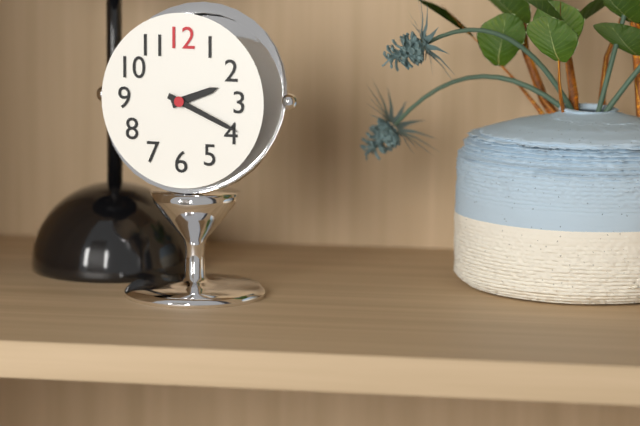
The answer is 2:19
